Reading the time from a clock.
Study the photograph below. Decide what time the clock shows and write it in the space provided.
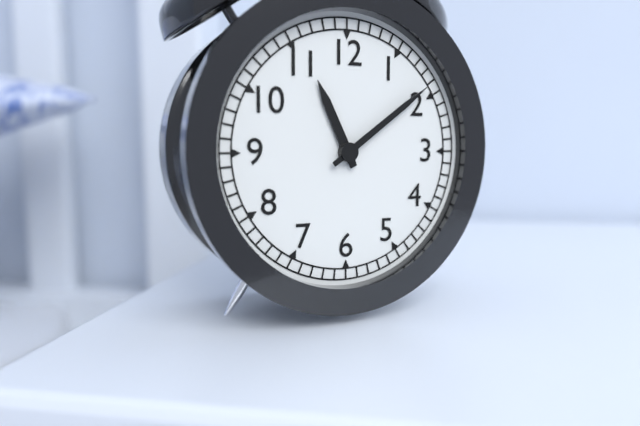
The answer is 11:09
